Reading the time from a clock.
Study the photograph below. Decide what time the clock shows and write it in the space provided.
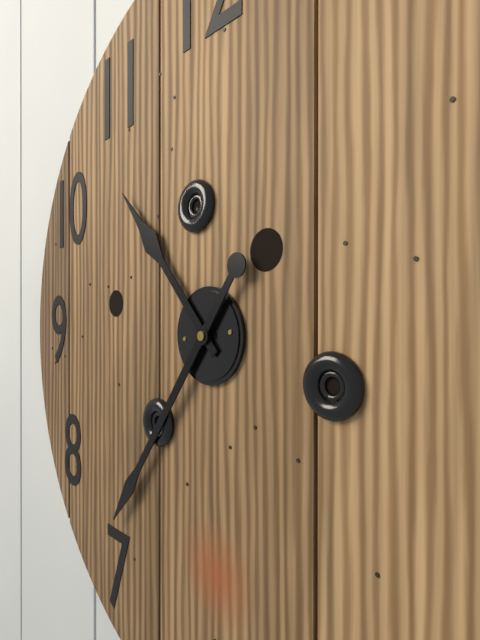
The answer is 10:36
